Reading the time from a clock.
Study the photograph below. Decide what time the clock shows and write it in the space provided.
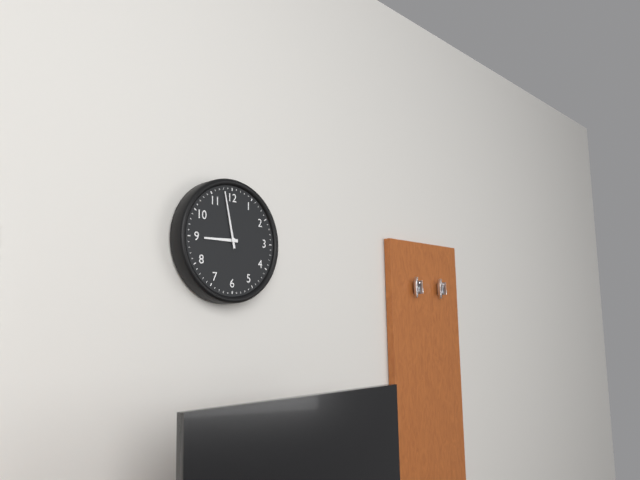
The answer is 8:58
